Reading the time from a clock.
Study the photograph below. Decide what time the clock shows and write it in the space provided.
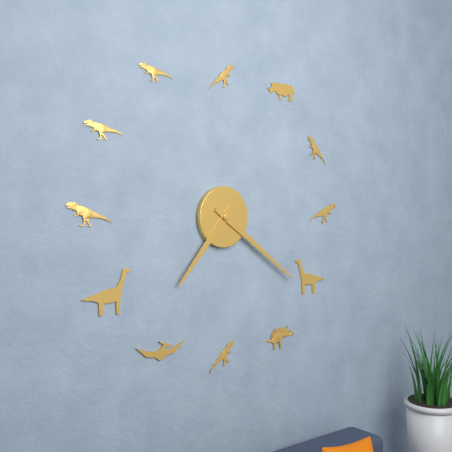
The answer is 7:21
